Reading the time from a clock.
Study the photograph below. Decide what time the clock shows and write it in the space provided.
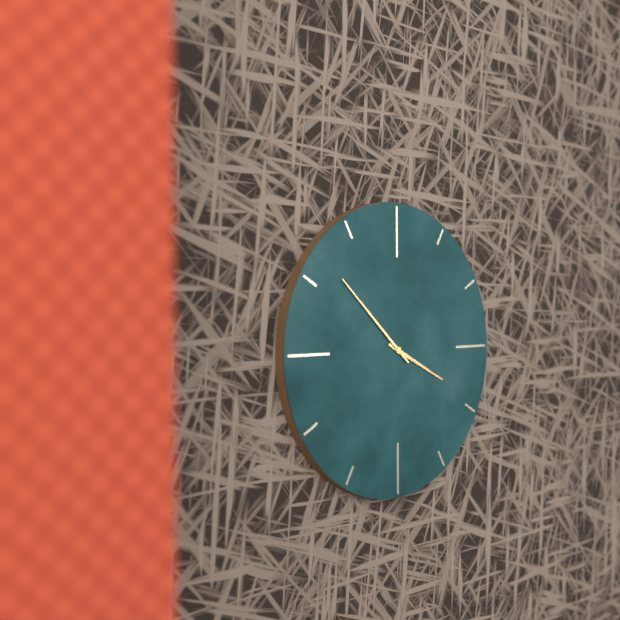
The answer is 3:52
